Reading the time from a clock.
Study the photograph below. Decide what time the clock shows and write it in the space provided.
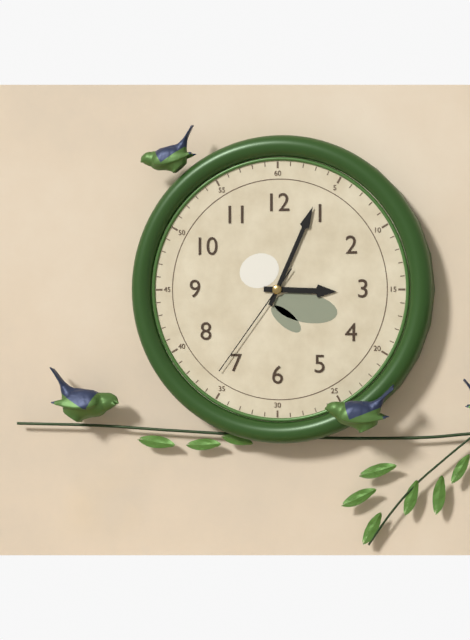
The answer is 3:04:36
